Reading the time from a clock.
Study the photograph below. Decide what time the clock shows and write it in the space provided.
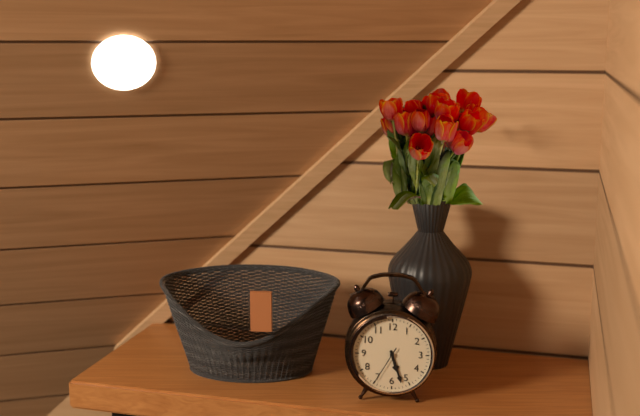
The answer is 5:27
